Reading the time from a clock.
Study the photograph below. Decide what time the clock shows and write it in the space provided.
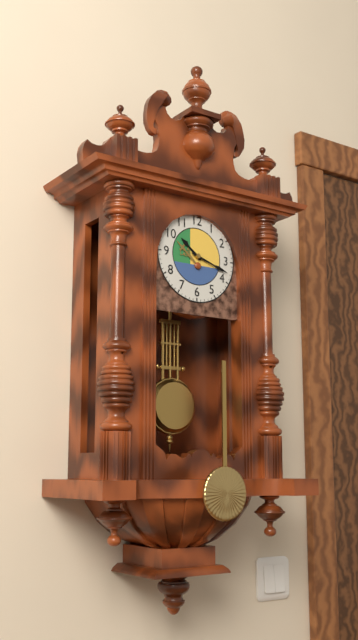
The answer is 10:18
